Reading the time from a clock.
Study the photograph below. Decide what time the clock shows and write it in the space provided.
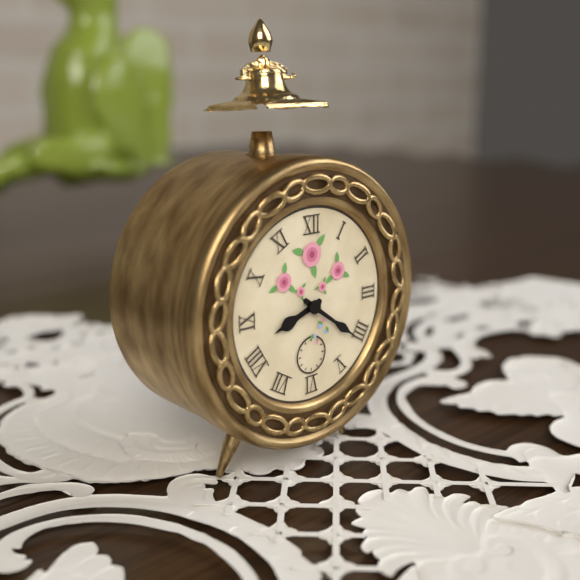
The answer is 8:21
